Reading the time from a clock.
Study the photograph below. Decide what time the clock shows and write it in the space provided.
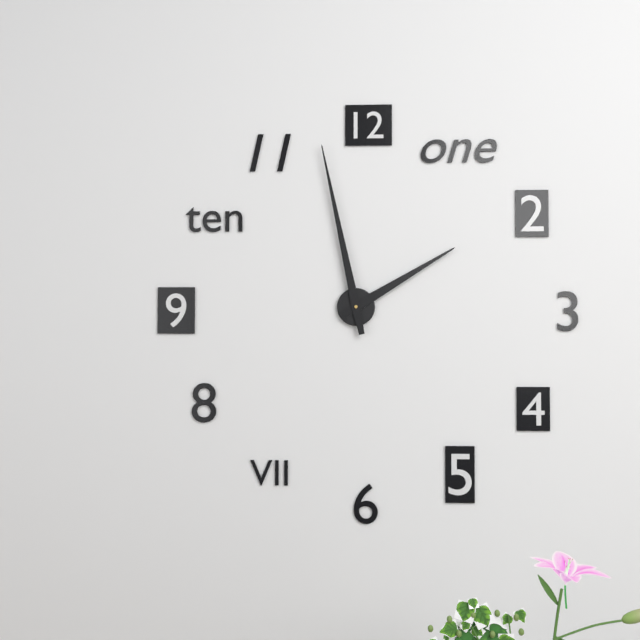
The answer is 1:58
